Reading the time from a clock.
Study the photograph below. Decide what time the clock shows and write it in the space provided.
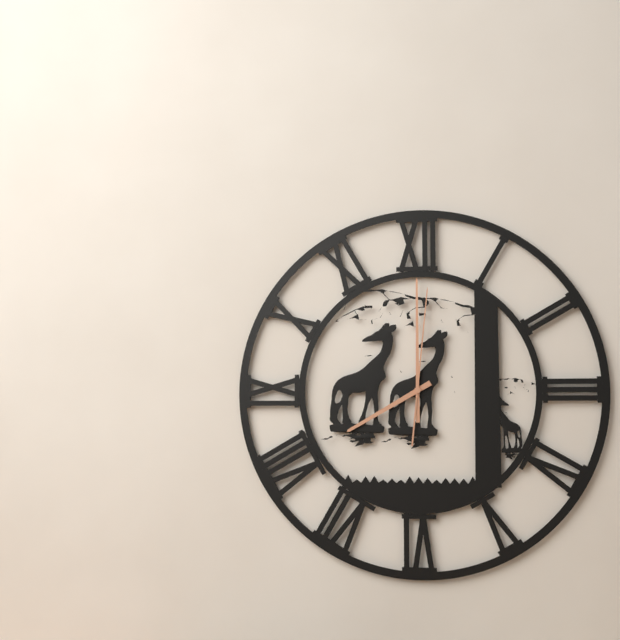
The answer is 8:00:01
